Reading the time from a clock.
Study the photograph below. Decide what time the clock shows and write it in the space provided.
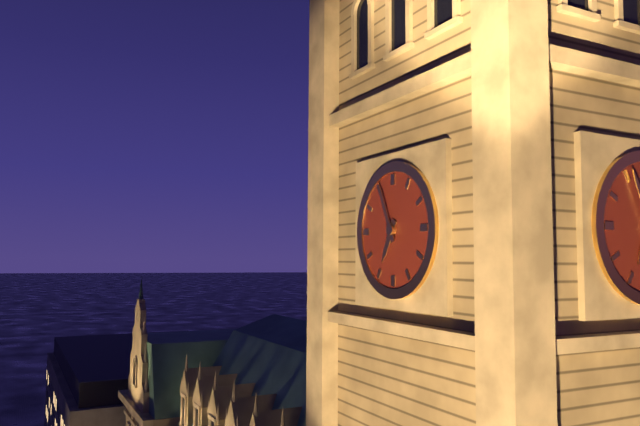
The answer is 6:56
